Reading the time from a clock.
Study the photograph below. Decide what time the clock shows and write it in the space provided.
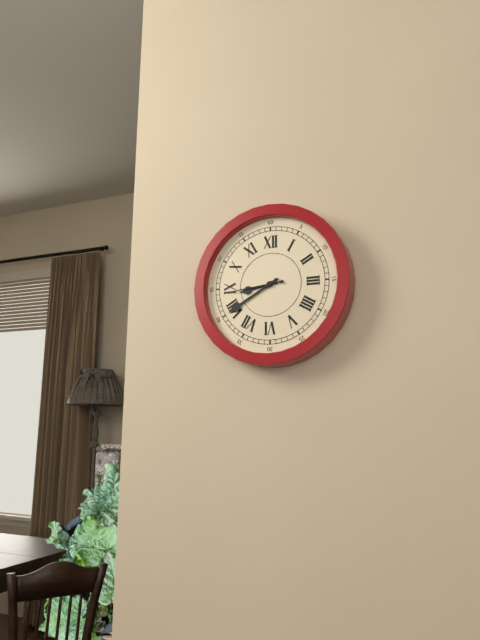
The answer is 8:40
